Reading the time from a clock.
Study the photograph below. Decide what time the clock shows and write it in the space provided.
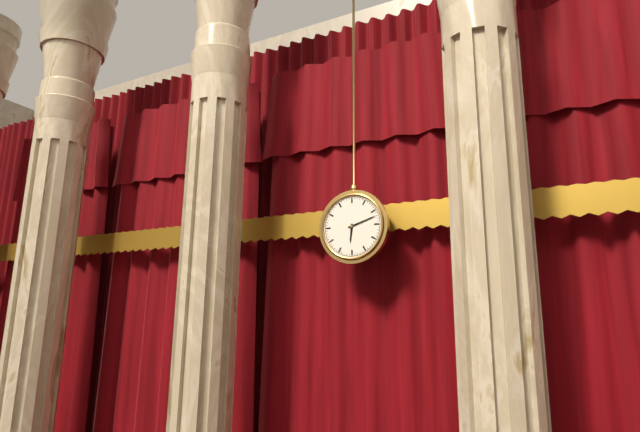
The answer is 6:12
